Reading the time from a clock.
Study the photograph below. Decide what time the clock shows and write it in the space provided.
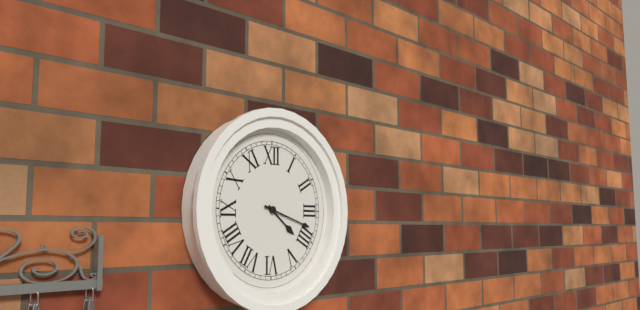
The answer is 4:18
